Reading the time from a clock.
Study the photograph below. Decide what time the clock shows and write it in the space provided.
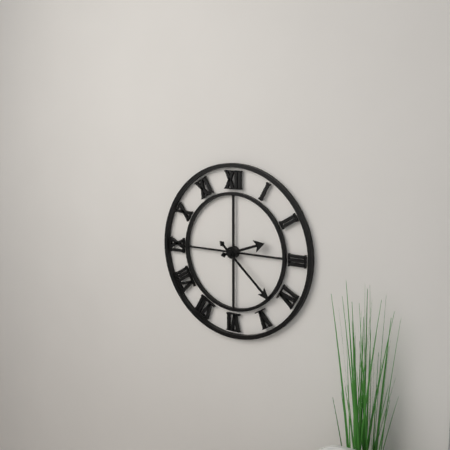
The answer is 2:22
